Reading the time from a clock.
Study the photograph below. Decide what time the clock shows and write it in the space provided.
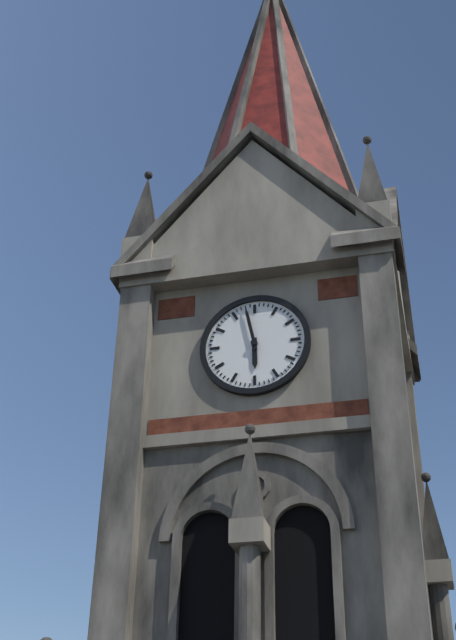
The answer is 5:58
